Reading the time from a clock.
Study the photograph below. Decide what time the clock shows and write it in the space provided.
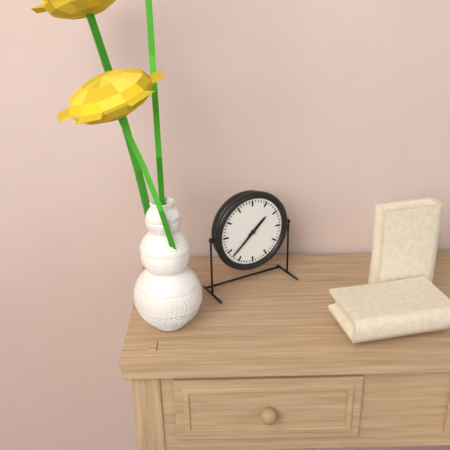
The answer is 1:38
